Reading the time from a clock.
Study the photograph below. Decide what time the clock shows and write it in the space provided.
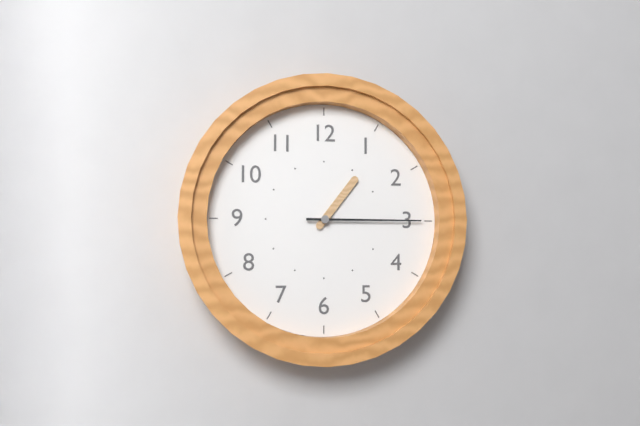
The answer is 1:15
